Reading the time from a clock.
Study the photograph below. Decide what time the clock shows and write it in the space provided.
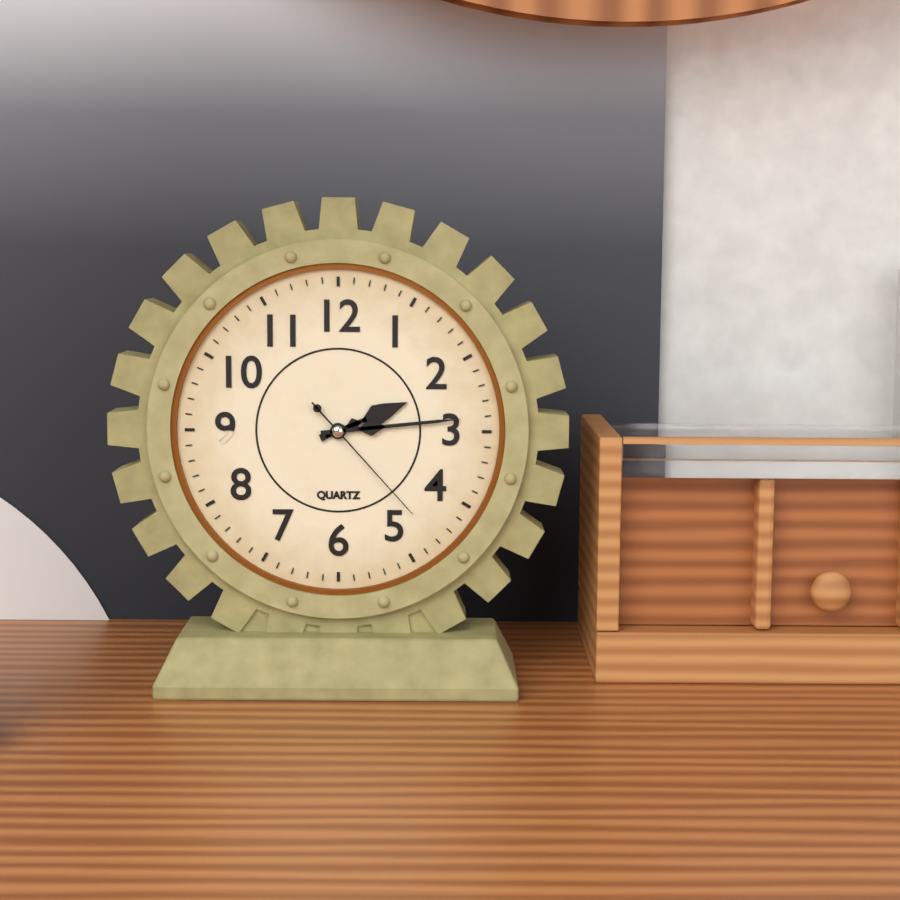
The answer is 2:14:23
